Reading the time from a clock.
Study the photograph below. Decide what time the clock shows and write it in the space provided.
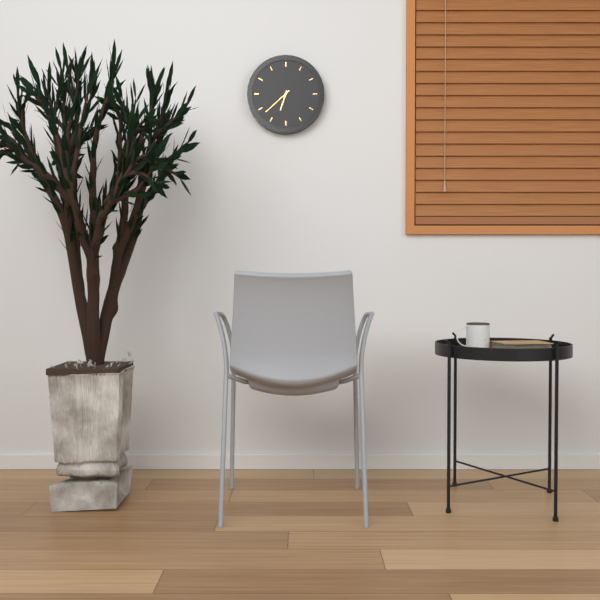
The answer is 6:38
